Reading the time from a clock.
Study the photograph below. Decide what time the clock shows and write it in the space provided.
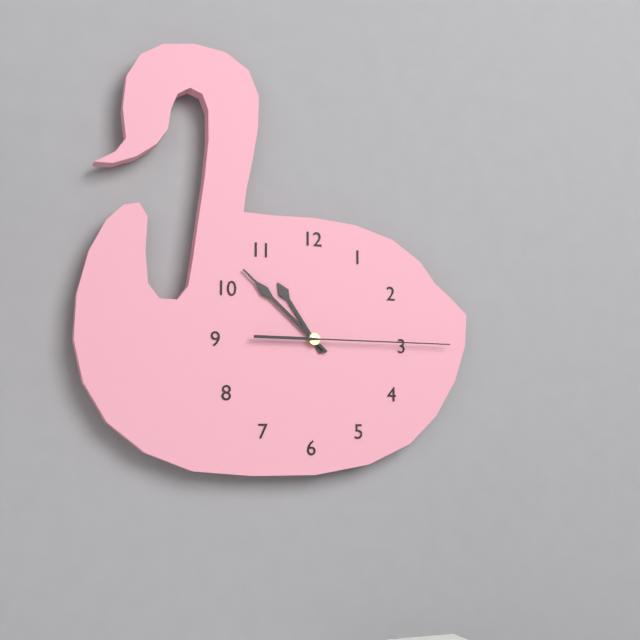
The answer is 10:52:15
